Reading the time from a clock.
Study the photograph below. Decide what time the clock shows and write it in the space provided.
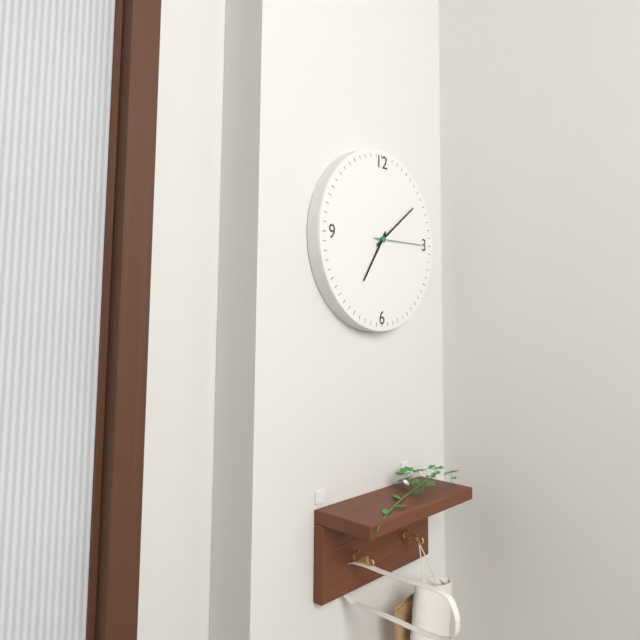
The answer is 7:09:15
